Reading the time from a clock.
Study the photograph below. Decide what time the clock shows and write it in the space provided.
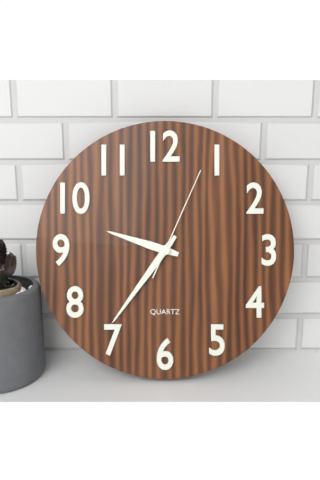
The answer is 9:36:04
